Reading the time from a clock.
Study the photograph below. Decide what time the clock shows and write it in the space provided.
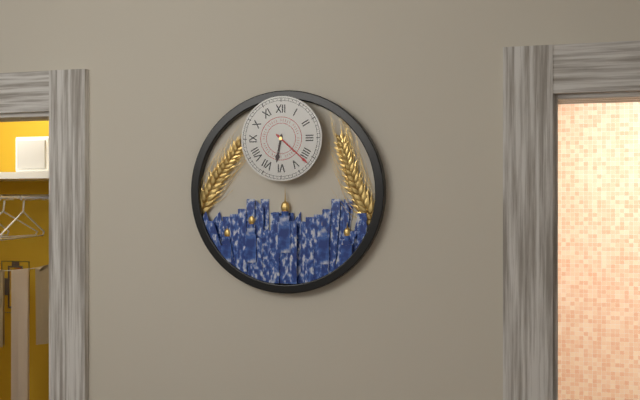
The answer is 6:22
